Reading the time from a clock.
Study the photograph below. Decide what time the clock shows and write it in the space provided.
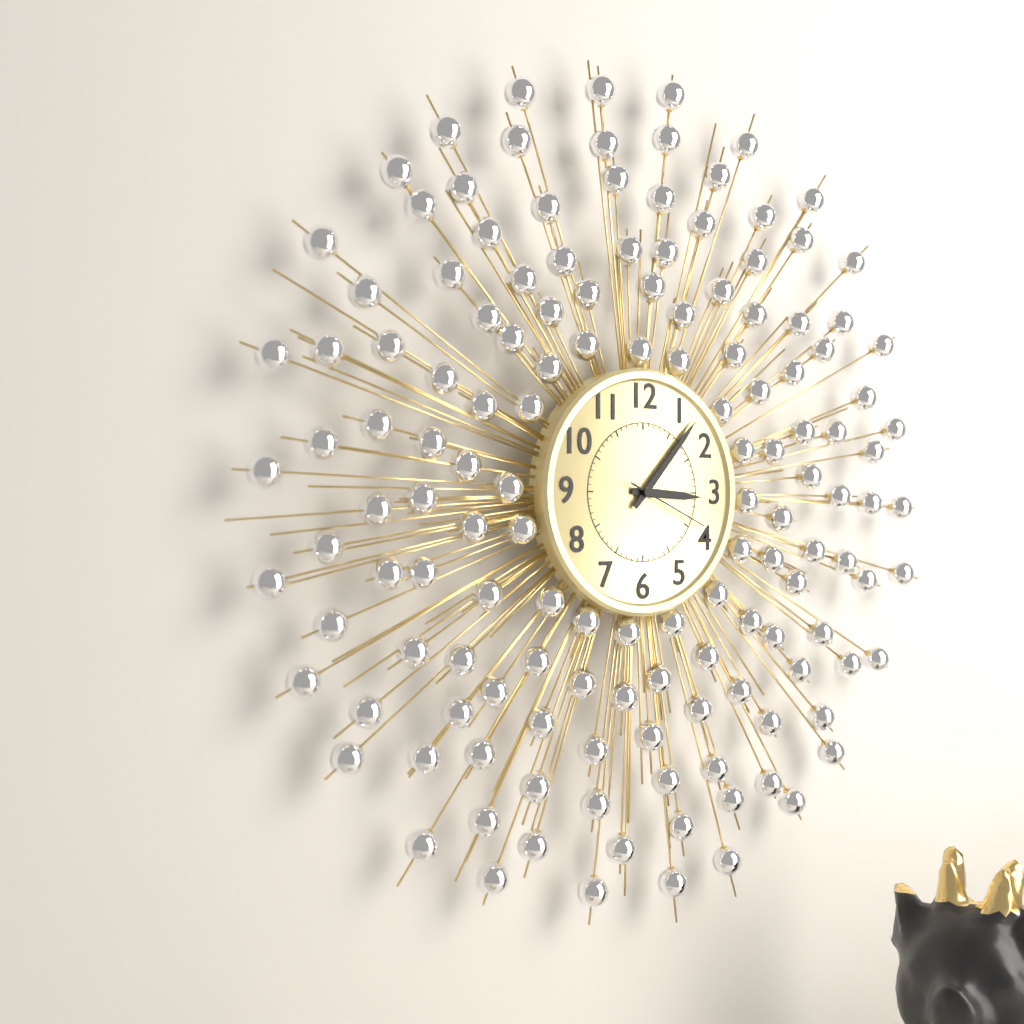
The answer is 3:07:19
